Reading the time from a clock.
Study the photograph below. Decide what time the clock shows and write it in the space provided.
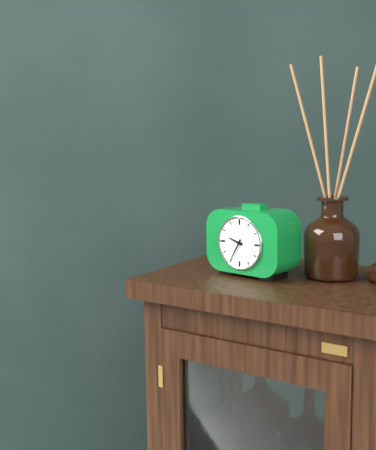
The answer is 9:35
